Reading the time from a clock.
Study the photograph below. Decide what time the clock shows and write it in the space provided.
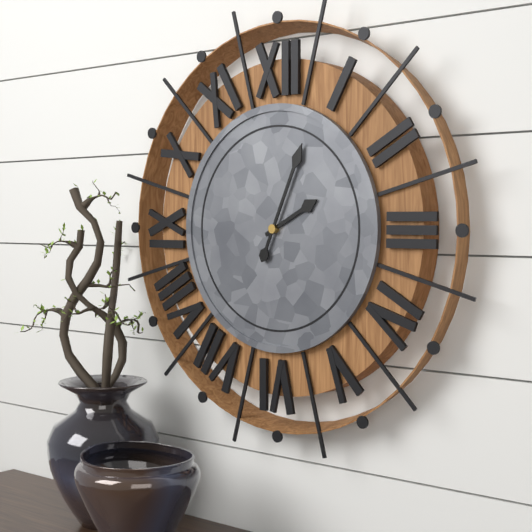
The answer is 2:04
